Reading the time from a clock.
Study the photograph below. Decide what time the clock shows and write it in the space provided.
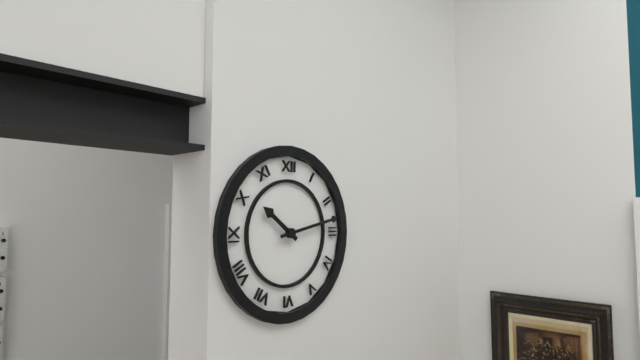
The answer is 10:13
